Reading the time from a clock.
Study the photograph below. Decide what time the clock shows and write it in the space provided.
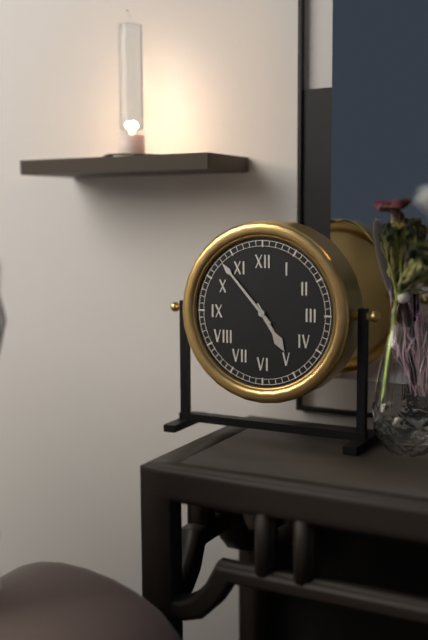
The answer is 4:53
